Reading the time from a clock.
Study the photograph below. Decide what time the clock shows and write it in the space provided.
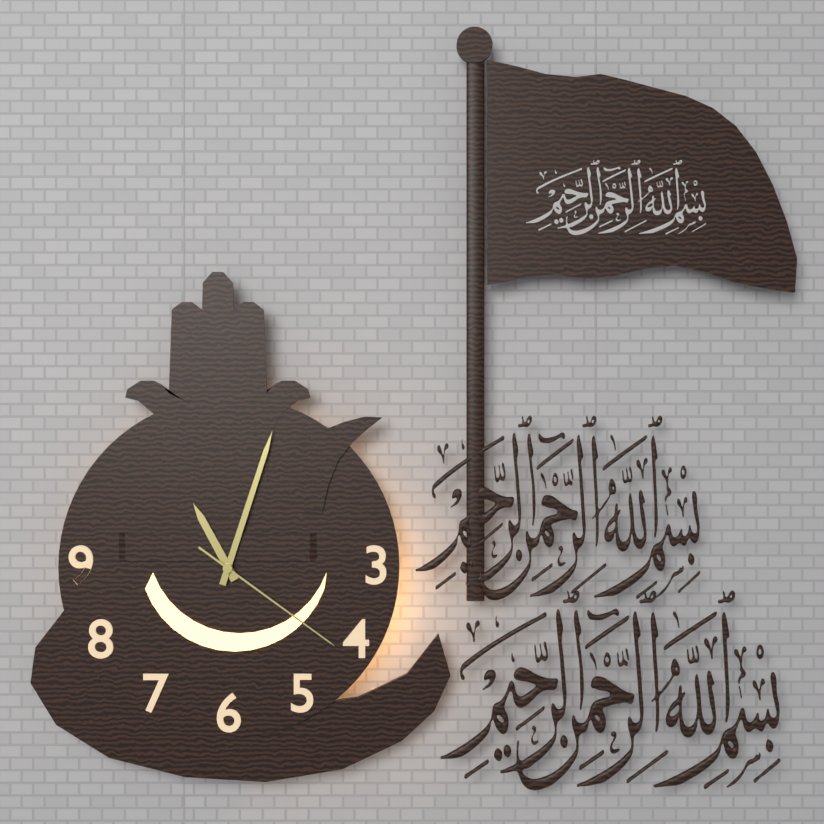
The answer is 11:03:21
